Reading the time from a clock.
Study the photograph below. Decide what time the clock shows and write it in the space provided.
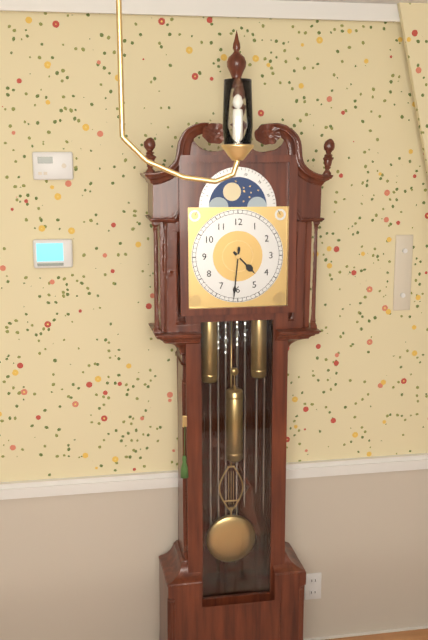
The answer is 4:31
